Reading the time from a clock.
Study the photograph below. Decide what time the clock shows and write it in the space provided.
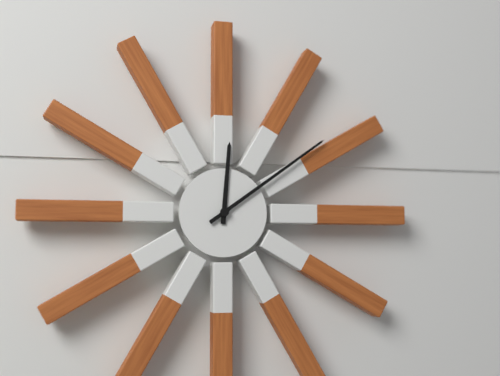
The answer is 12:09
